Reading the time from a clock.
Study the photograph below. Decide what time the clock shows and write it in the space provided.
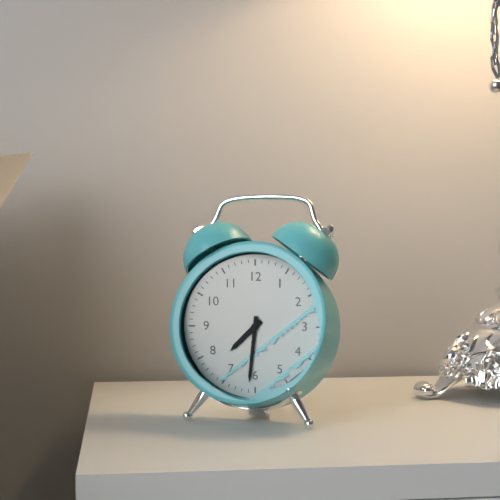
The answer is 7:31
